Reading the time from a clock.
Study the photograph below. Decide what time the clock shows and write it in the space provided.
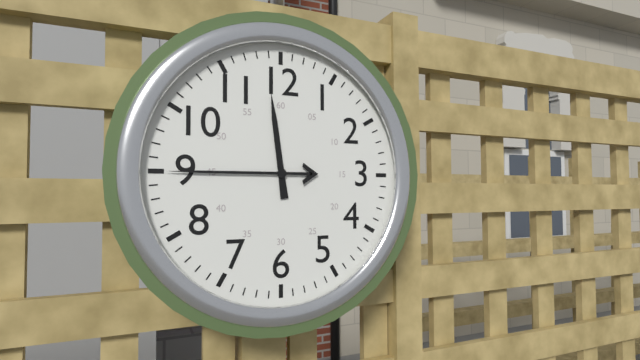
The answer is 11:45
